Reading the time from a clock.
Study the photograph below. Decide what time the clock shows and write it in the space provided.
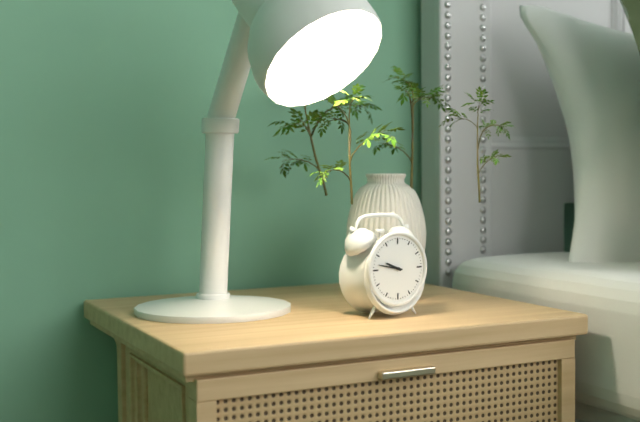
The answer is 9:47
